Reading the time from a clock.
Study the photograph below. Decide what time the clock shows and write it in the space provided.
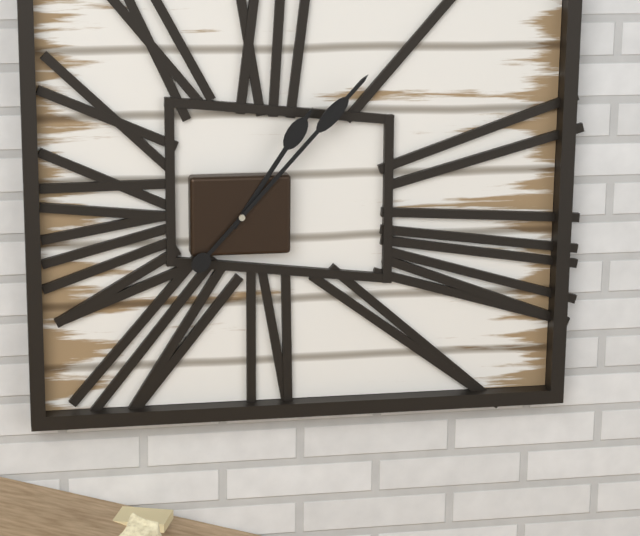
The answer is 1:07
